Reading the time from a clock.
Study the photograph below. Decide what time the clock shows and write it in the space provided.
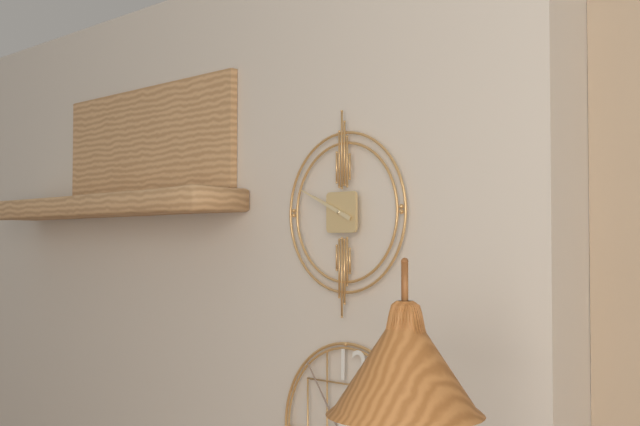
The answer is 9:49
